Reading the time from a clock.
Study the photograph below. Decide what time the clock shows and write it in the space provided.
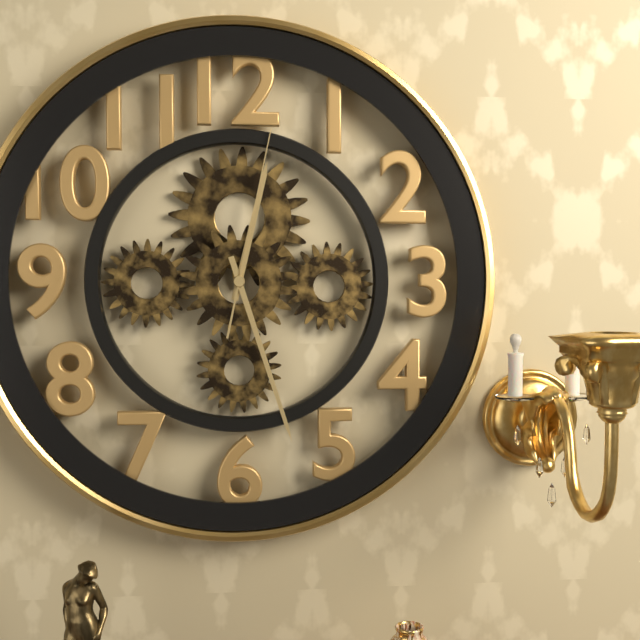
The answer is 12:27:02
